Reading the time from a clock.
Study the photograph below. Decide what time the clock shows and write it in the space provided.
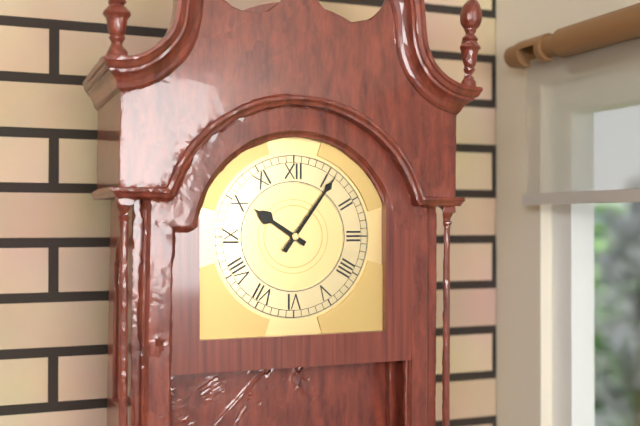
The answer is 10:06
